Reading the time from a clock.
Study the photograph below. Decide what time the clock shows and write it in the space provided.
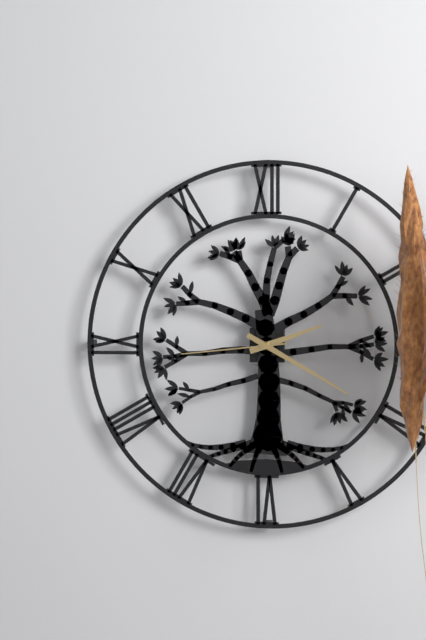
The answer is 2:20:44
